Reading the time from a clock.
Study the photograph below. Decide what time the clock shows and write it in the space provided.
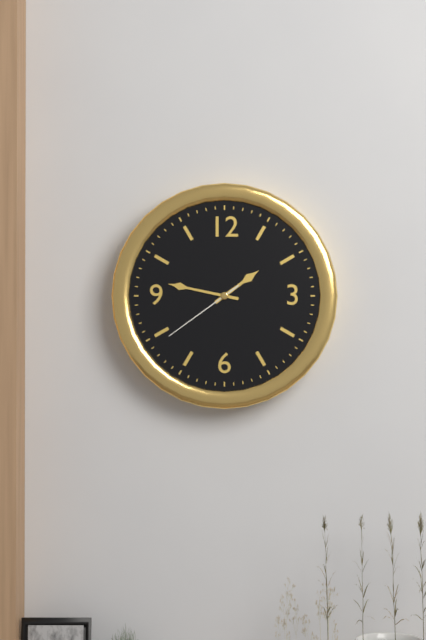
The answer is 1:47:39
